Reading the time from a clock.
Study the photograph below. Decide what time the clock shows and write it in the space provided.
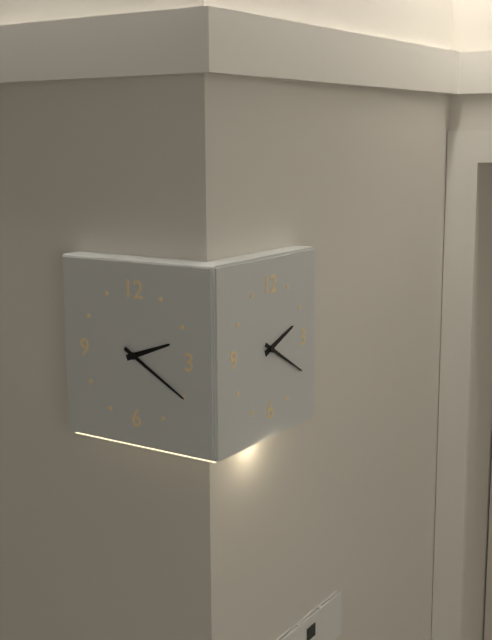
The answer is 2:20
